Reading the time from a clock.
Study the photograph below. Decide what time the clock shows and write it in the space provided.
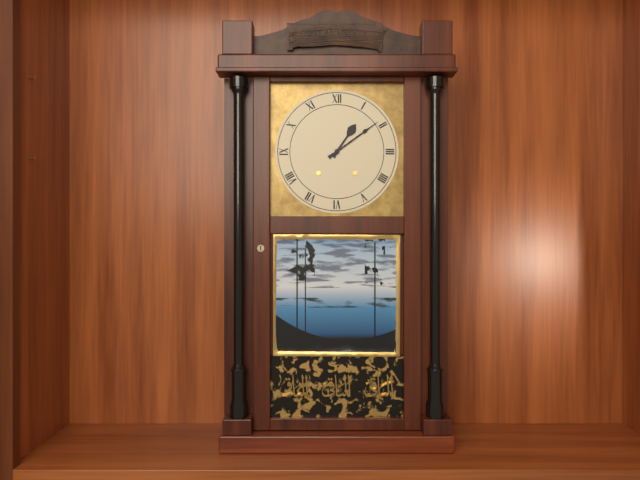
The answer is 1:09
